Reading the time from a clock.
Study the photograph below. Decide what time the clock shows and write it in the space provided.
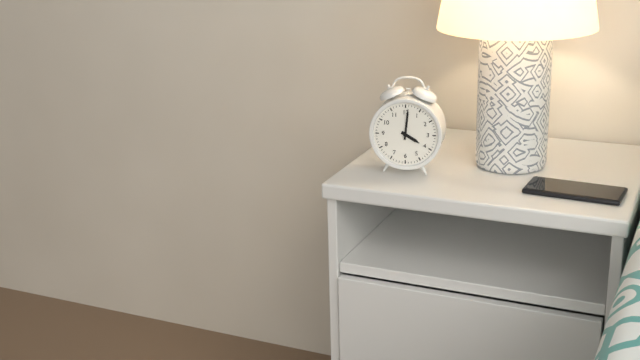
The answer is 4:01
